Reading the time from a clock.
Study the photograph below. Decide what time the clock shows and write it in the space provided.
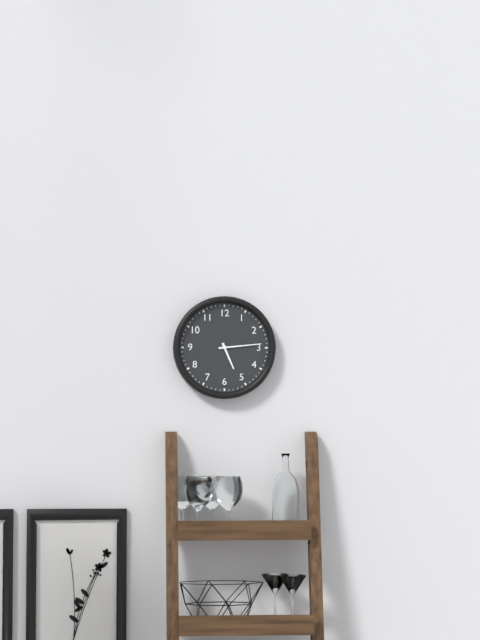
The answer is 5:14
